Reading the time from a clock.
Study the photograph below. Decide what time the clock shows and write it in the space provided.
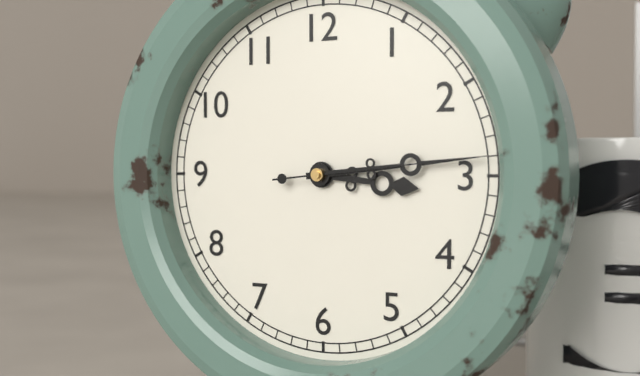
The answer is 3:14:14
